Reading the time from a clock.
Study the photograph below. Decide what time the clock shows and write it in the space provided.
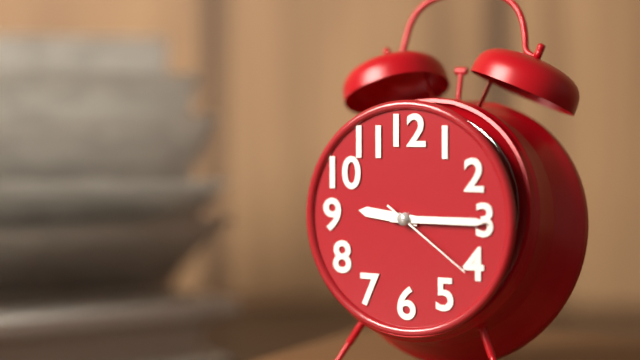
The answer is 9:15:21
